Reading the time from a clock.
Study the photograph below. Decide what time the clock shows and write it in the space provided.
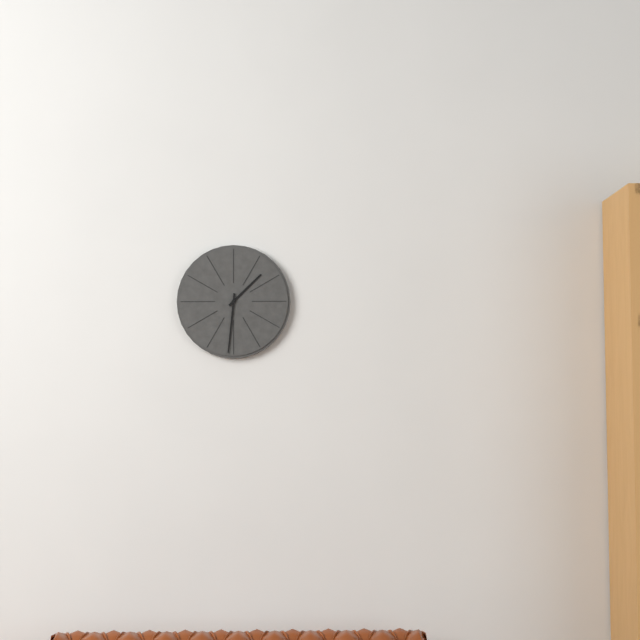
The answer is 1:31
